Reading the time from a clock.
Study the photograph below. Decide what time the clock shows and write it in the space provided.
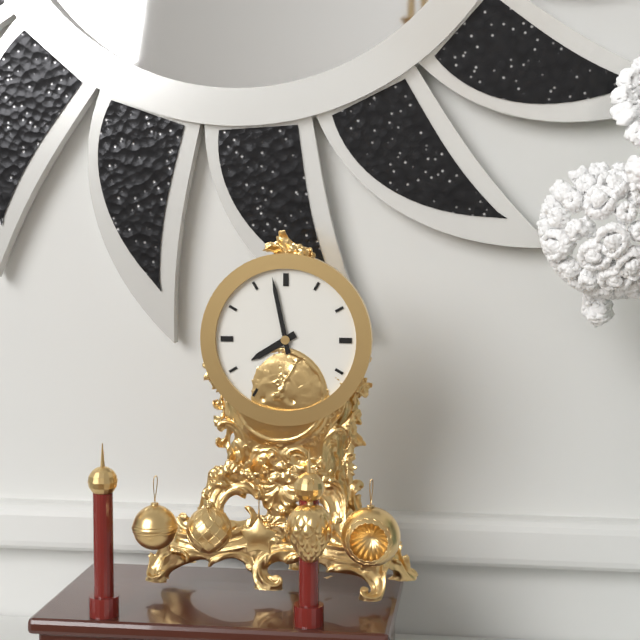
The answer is 7:58
